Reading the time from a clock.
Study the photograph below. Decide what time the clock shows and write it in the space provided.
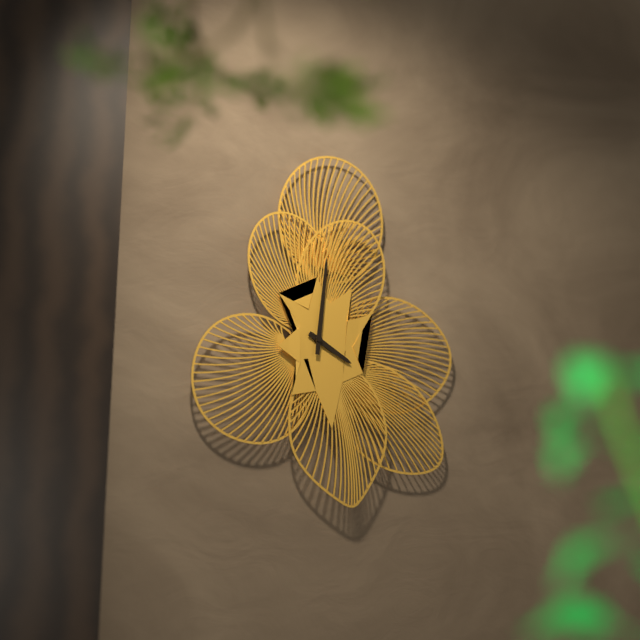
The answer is 4:01
